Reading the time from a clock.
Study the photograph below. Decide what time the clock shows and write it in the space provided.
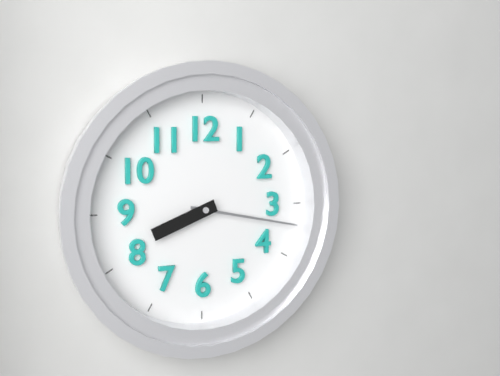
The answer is 8:17
